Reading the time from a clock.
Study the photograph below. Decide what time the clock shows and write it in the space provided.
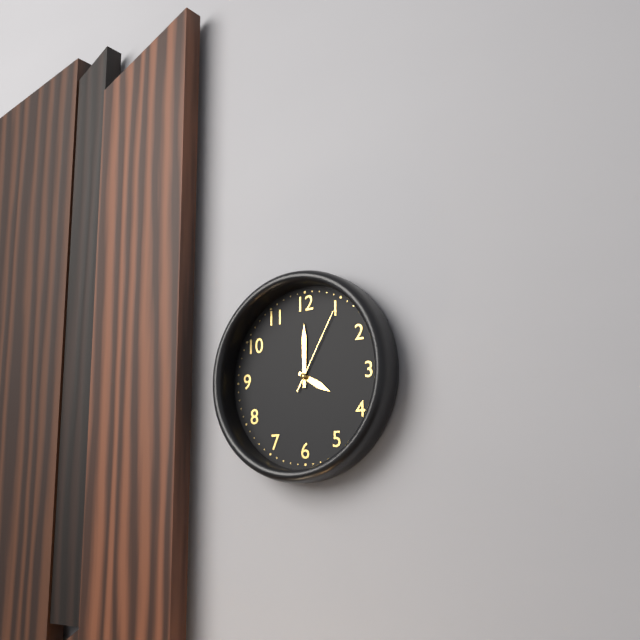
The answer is 4:00:05
